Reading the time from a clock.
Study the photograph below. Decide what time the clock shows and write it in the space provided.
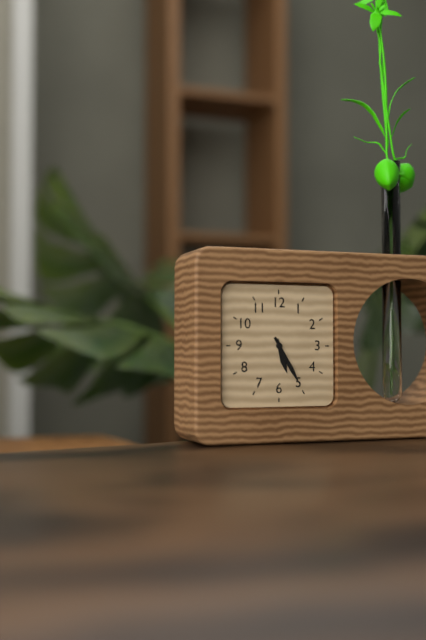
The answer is 5:25
